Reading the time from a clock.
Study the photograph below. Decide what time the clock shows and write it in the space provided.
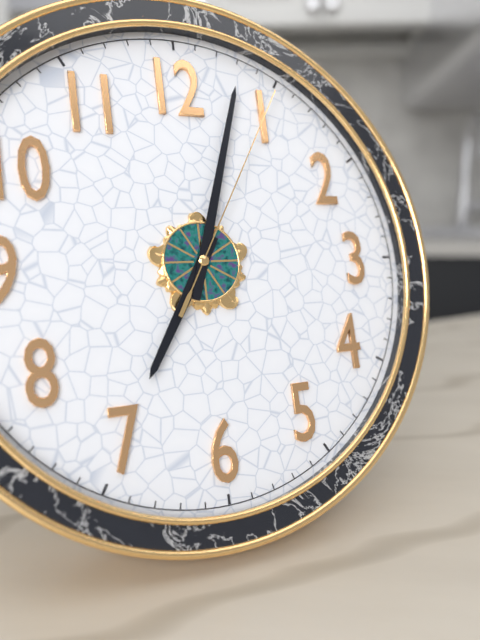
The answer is 7:03:05
